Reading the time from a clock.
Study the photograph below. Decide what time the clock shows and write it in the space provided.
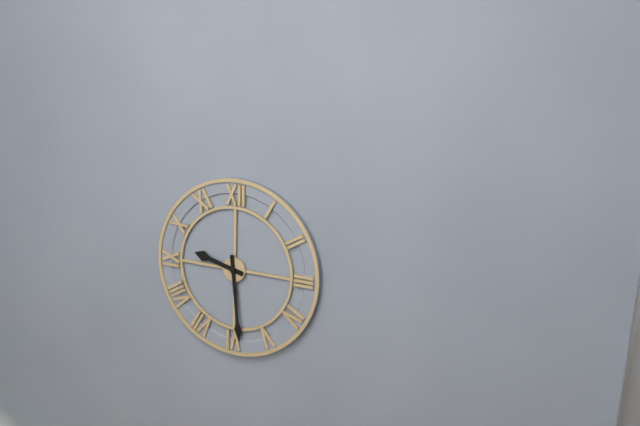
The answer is 9:29
